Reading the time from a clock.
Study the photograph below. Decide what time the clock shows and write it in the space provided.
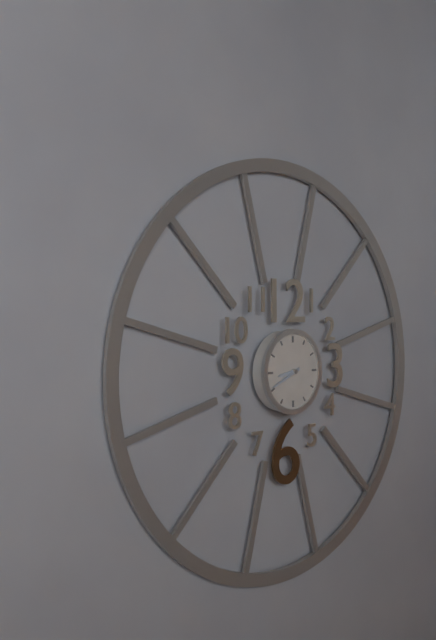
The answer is 8:41
